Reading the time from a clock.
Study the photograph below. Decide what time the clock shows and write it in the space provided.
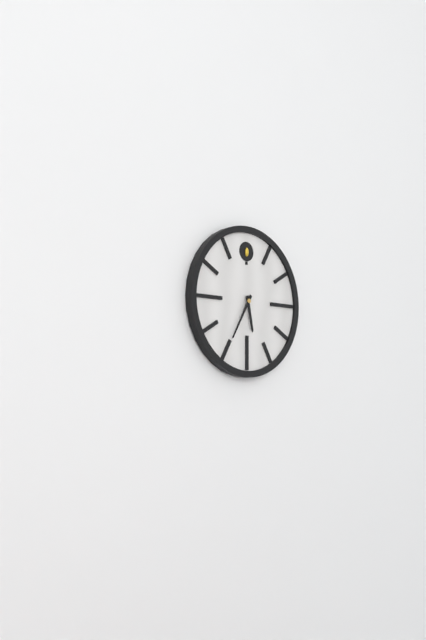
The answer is 5:35
